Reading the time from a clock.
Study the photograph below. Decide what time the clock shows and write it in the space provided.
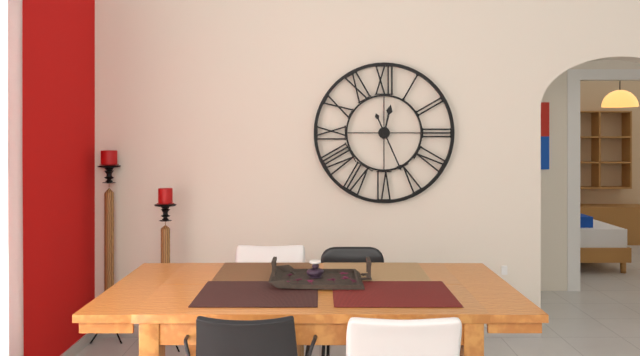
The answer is 12:26
